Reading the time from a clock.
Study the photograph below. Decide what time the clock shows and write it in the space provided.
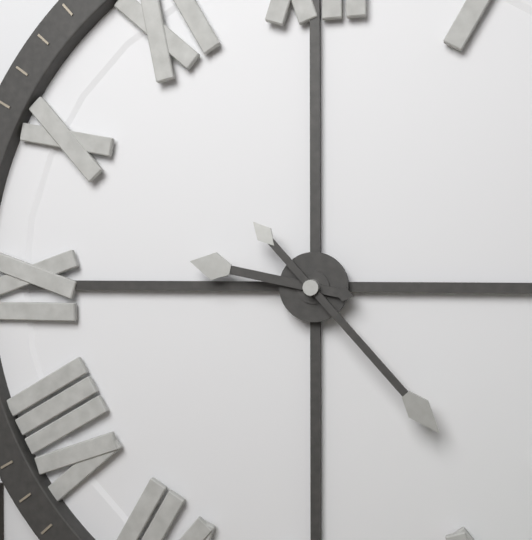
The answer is 9:23
